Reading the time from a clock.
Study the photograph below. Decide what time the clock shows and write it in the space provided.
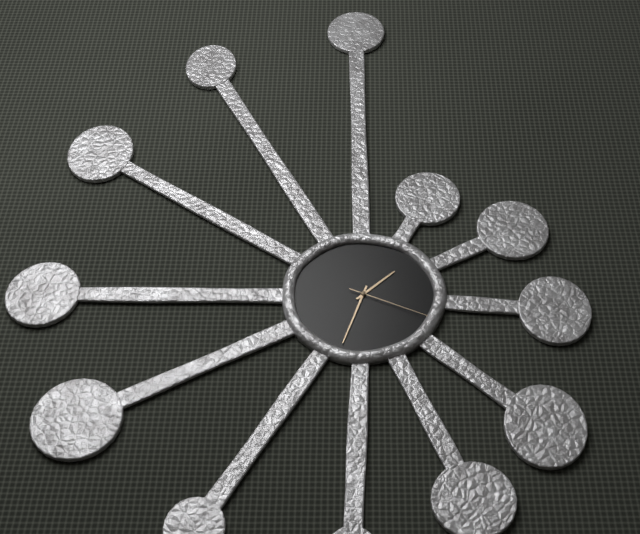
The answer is 1:33:19
